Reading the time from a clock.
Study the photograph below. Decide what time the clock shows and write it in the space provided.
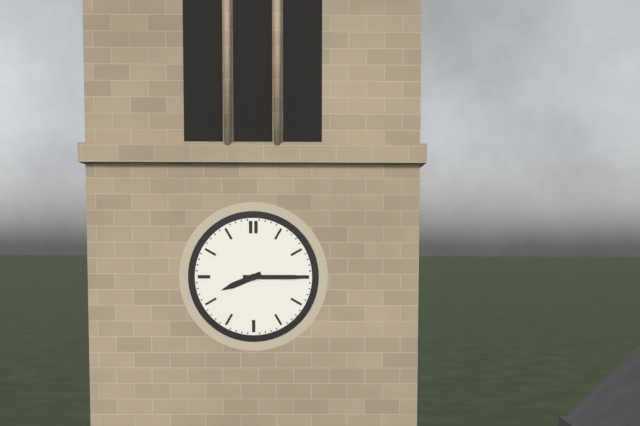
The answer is 8:15
